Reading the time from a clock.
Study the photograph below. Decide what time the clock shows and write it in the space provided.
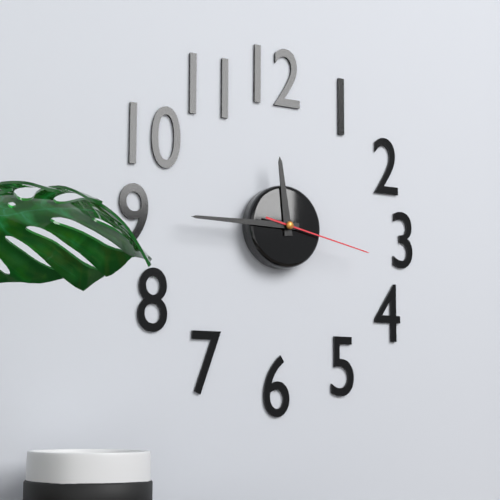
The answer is 11:45:17
